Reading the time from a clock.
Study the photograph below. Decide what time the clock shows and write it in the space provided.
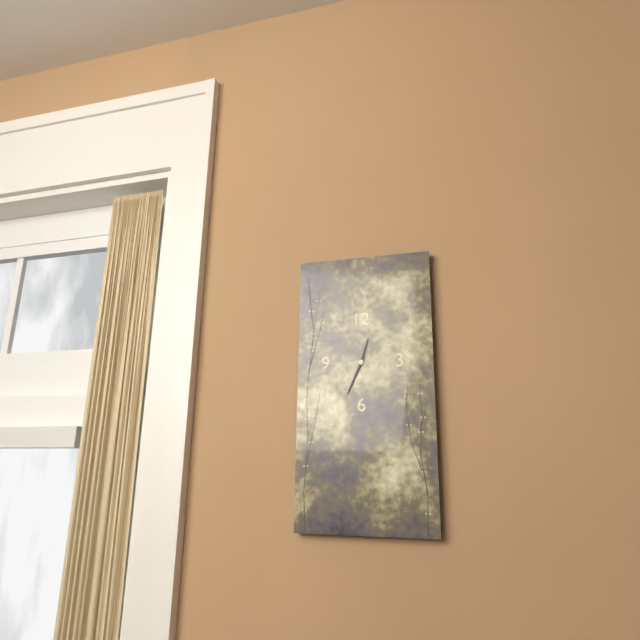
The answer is 12:34
